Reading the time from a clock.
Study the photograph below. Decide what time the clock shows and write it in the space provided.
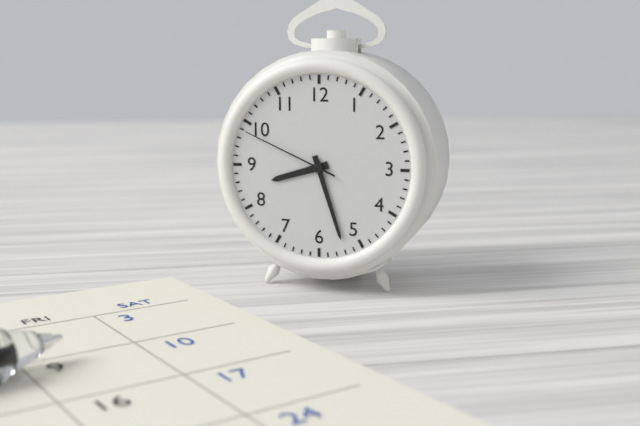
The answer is 8:27:49
